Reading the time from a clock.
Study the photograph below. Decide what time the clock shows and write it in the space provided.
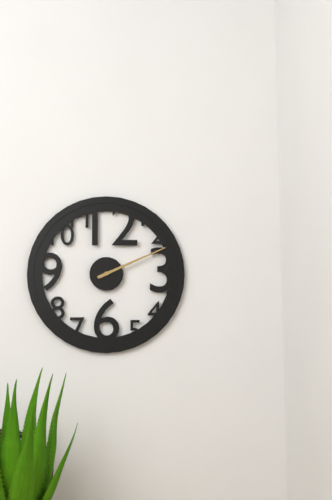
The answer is 2:11
